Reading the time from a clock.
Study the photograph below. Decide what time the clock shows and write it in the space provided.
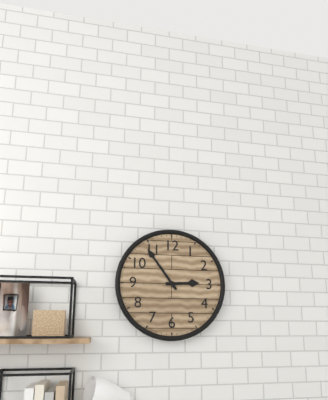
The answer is 2:54
